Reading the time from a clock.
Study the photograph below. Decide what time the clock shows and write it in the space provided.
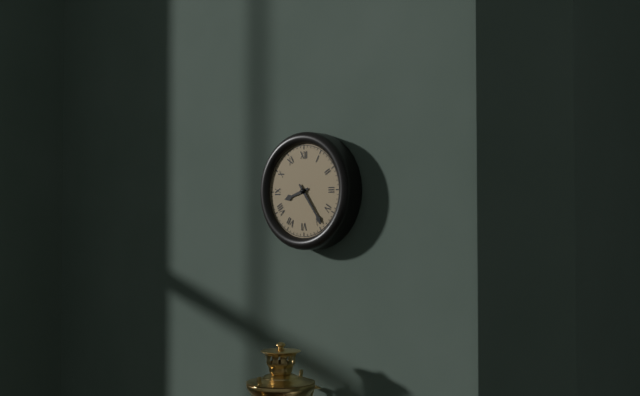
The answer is 8:24
